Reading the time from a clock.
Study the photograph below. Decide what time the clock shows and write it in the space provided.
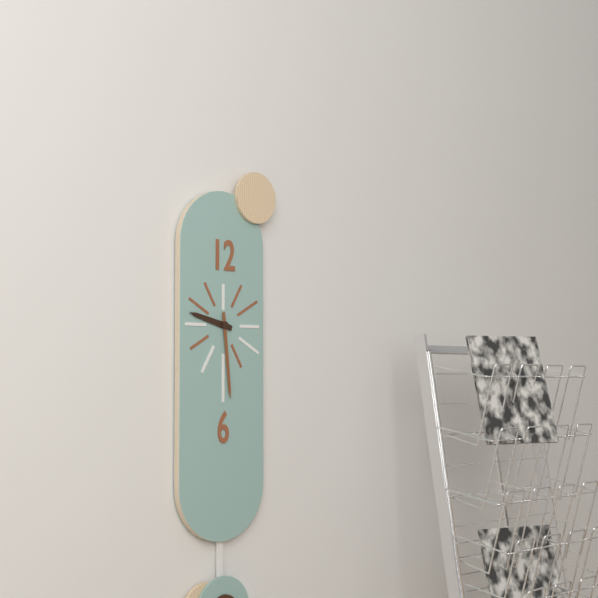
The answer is 9:29
